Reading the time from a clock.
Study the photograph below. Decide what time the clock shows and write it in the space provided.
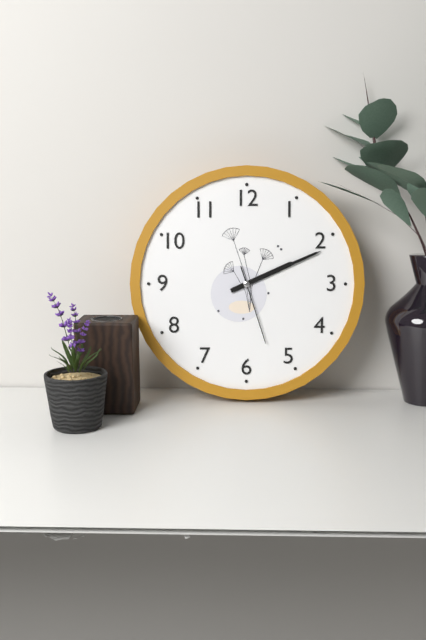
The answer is 2:11:27
